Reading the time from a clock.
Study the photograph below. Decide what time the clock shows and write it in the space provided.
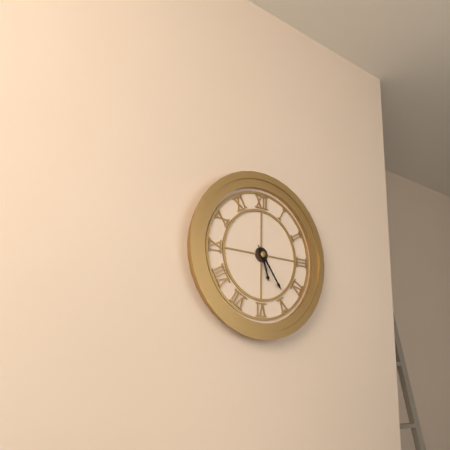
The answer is 5:24
